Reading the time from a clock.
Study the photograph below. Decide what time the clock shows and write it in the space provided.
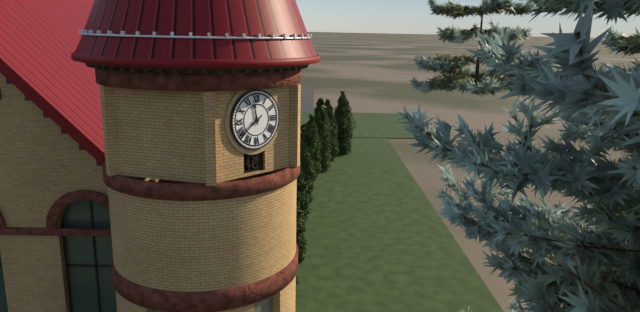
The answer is 11:39
